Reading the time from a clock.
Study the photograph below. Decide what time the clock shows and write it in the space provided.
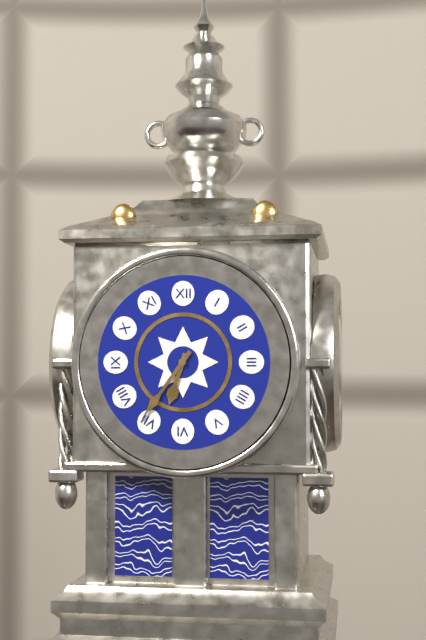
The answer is 6:36
